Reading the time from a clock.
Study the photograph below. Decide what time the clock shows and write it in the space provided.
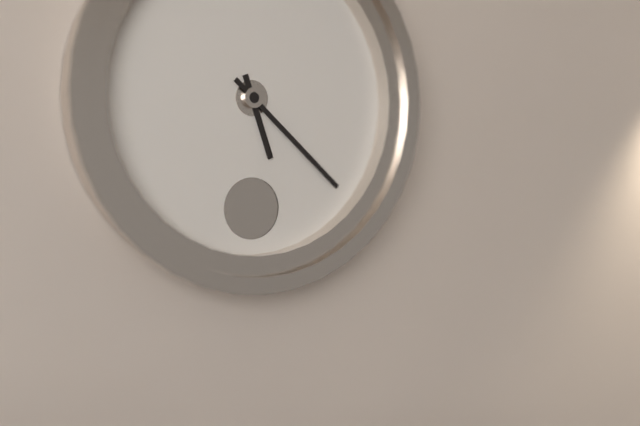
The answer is 5:22
